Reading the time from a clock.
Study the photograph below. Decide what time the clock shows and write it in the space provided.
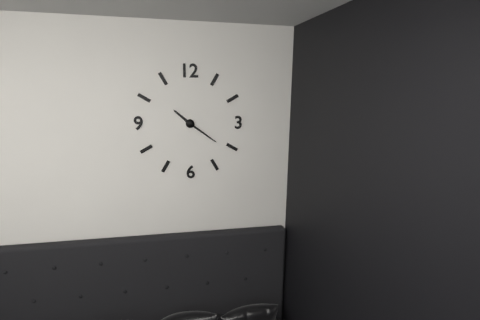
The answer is 10:21
